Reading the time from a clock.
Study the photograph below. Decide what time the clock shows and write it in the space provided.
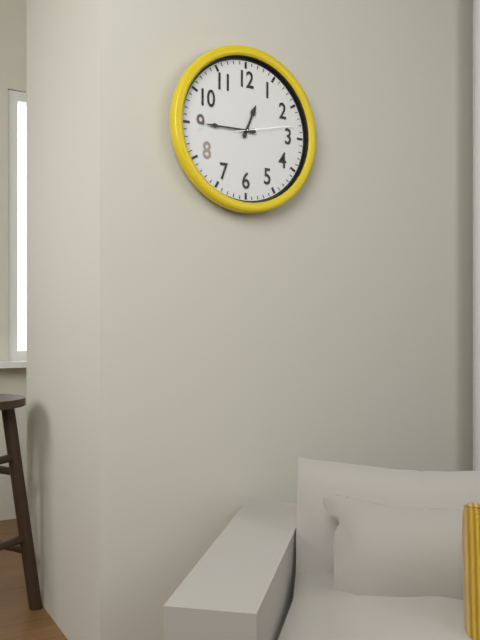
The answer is 12:45:13
